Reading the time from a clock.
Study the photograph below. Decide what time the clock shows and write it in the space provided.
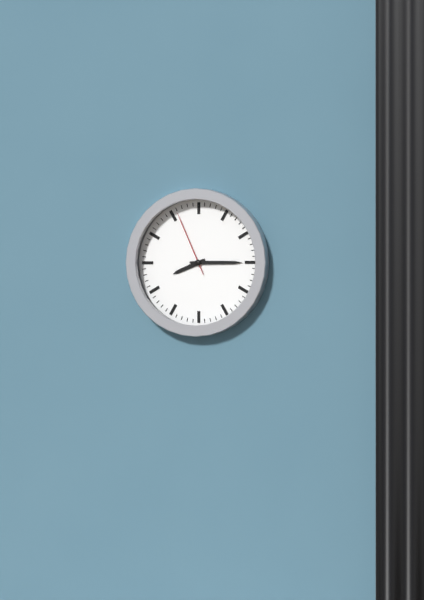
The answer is 8:15:56
